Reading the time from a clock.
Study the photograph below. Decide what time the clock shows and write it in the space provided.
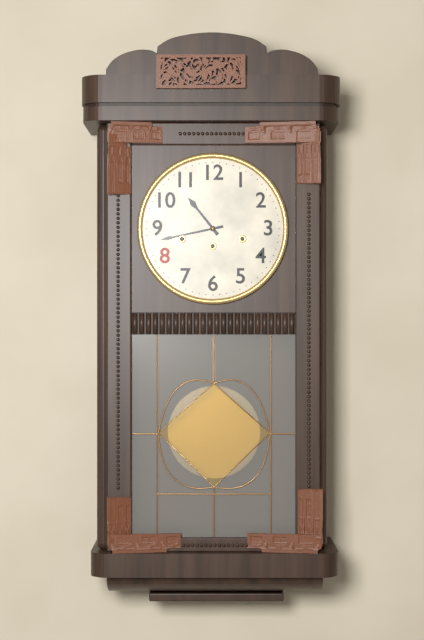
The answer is 10:43
